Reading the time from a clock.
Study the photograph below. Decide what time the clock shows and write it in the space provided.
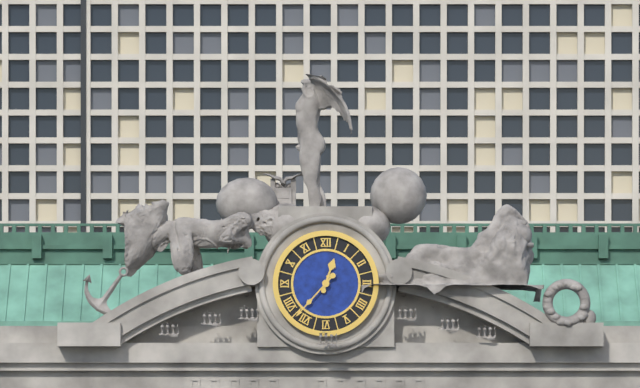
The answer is 12:37
